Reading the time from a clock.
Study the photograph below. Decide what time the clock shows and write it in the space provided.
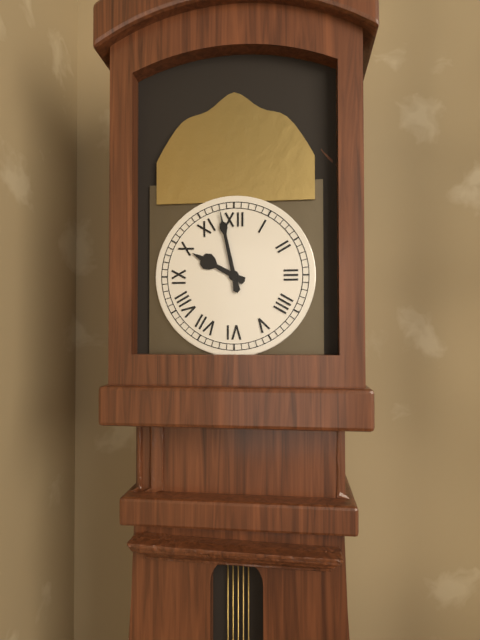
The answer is 9:58
